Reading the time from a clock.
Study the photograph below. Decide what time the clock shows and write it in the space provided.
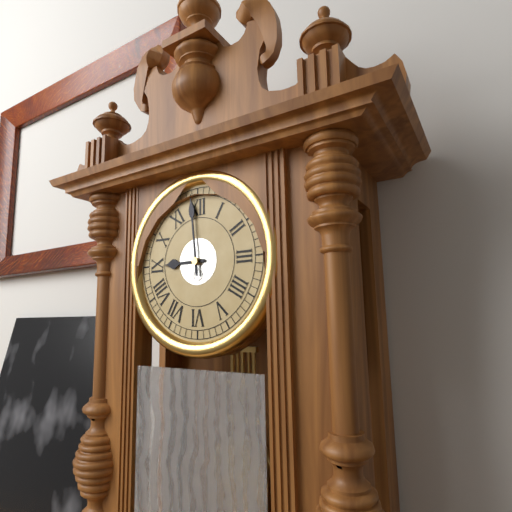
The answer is 8:59
